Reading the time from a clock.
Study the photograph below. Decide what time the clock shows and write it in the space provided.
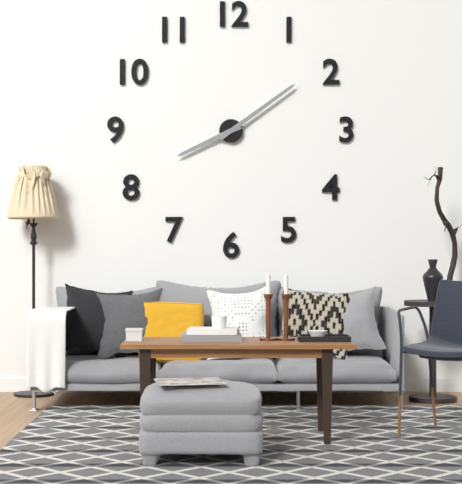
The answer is 8:09
